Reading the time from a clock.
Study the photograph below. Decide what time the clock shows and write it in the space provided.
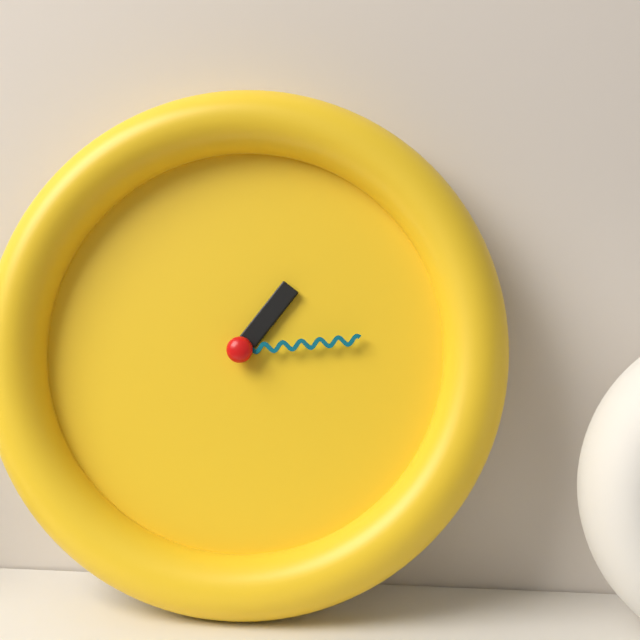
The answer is 1:14
